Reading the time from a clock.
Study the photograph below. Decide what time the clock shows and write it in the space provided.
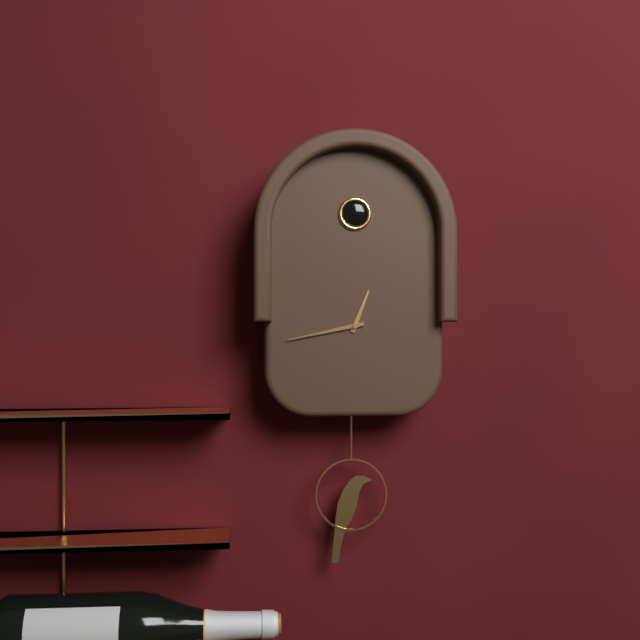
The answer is 12:43
